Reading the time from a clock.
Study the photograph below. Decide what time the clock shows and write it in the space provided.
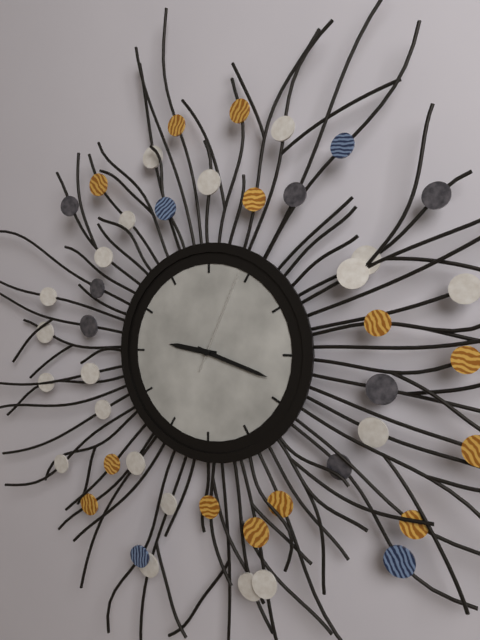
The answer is 9:18:04
